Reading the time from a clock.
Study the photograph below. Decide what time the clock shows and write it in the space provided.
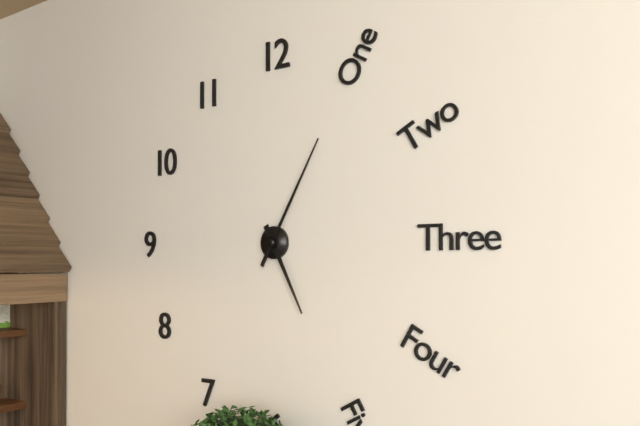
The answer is 5:05
